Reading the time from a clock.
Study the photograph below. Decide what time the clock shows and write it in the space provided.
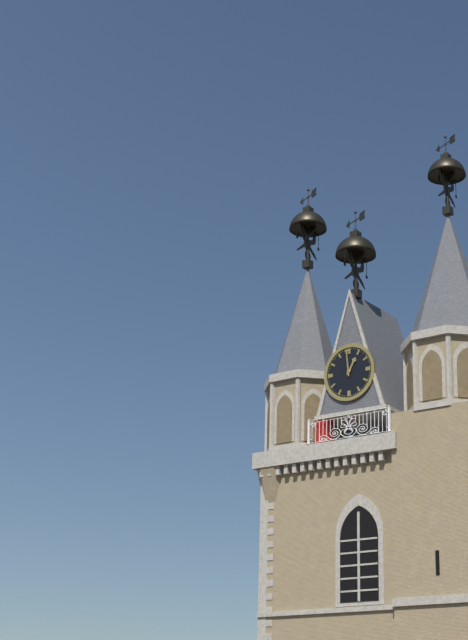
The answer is 12:59
